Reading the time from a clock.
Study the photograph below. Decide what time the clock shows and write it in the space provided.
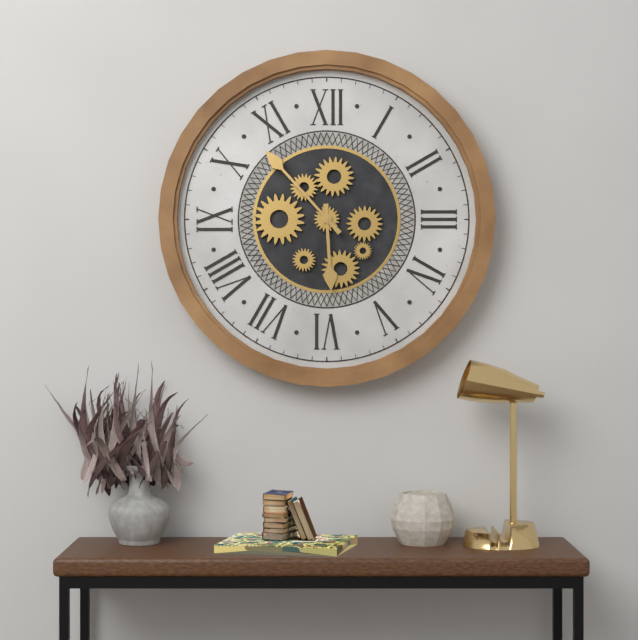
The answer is 5:53
